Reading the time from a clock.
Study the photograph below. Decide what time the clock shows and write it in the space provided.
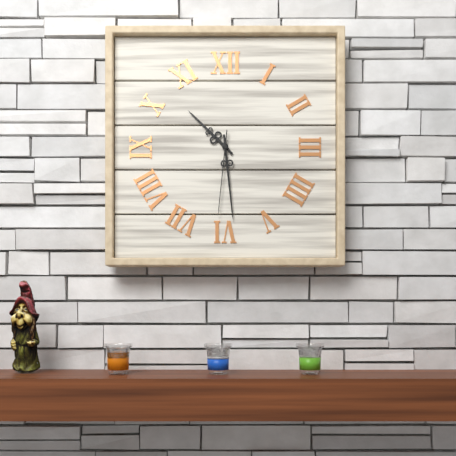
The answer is 10:29:31
